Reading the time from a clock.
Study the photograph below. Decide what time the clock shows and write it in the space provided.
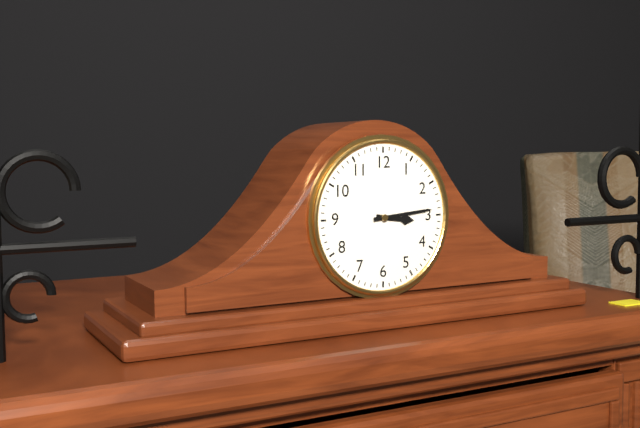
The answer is 3:14
